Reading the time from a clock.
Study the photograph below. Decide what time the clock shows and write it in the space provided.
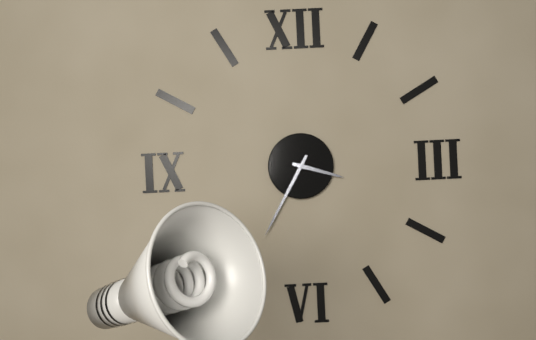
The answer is 3:35
